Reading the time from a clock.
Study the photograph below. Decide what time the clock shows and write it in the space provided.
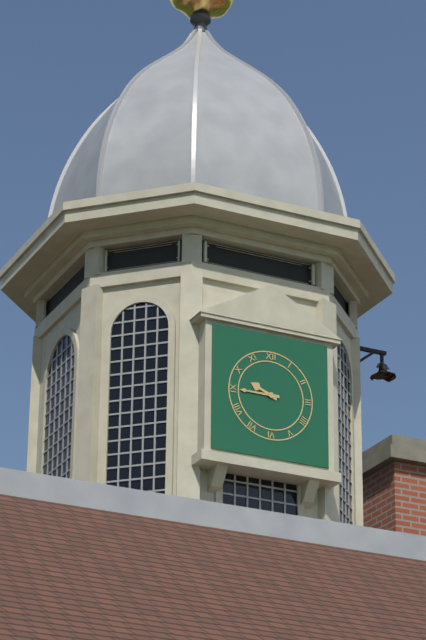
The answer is 9:45
